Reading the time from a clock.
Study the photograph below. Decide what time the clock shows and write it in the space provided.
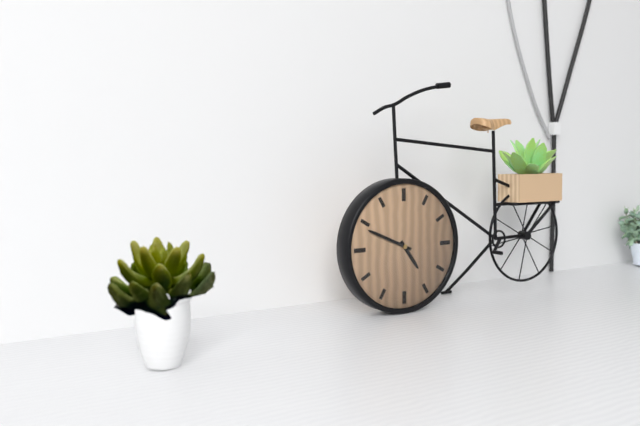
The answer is 4:49
